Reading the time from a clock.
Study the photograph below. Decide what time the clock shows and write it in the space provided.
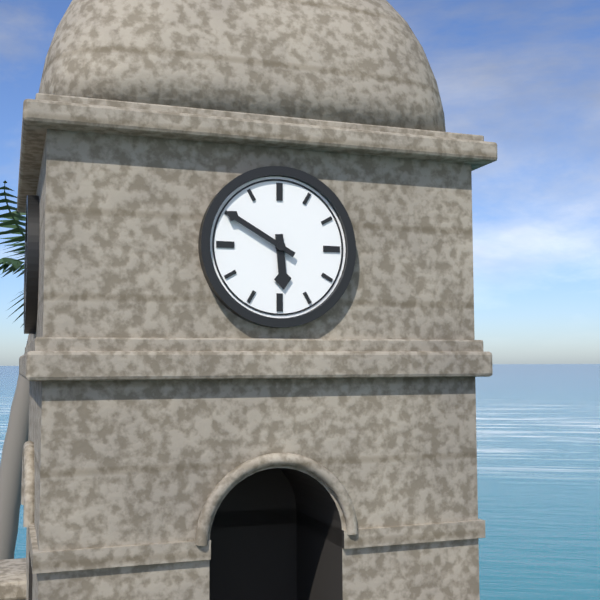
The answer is 5:50
